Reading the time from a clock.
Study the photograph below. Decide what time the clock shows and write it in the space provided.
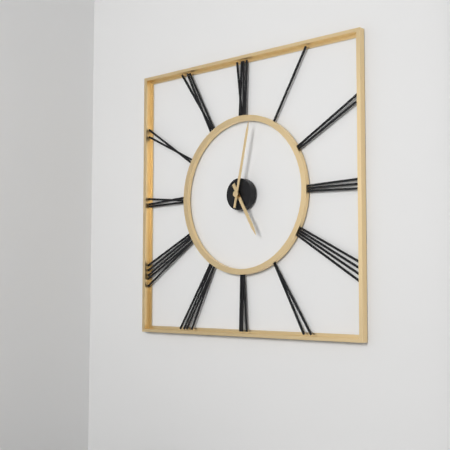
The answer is 5:02
